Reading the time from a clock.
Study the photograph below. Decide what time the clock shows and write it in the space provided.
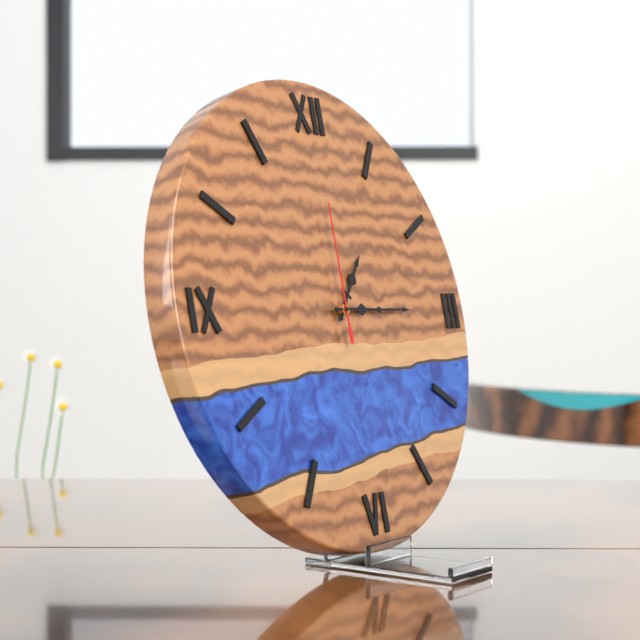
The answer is 1:15:00
